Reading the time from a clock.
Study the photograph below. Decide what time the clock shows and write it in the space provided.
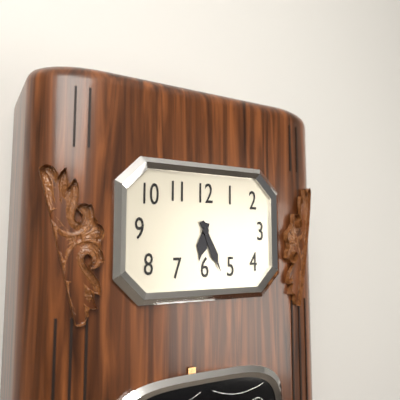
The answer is 6:26
